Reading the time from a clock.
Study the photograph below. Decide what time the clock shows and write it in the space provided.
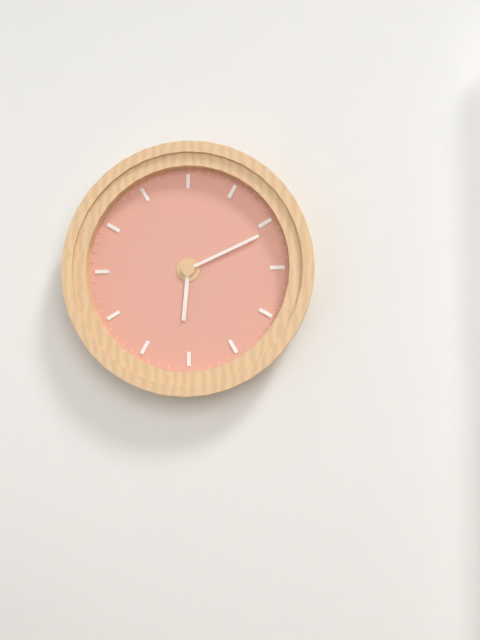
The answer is 6:11
